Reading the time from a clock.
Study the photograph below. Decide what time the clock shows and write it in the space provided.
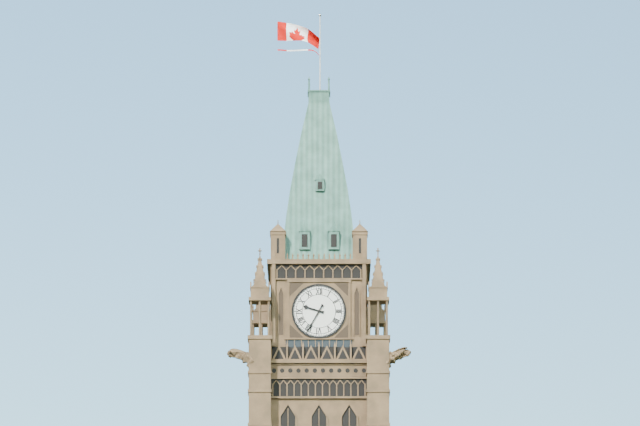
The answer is 9:35
